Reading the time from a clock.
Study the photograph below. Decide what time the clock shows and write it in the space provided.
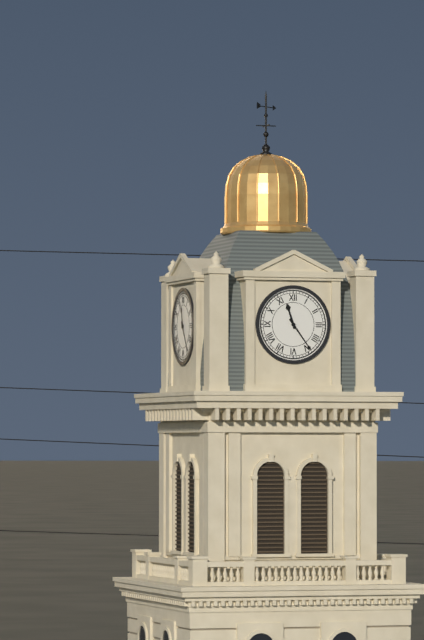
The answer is 11:24
